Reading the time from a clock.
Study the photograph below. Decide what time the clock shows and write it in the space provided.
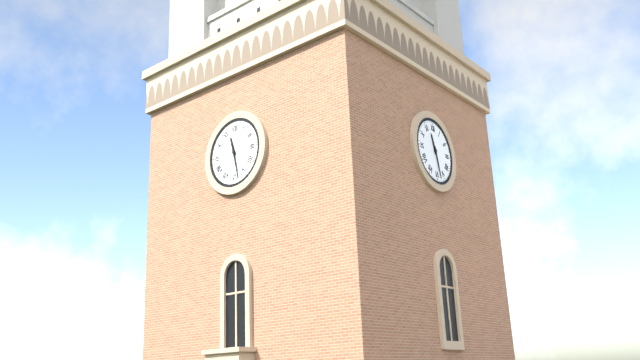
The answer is 11:28
